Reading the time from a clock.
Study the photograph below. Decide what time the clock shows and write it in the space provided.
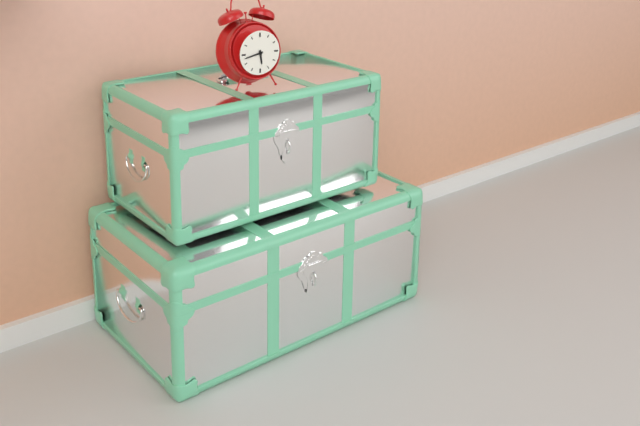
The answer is 5:43
